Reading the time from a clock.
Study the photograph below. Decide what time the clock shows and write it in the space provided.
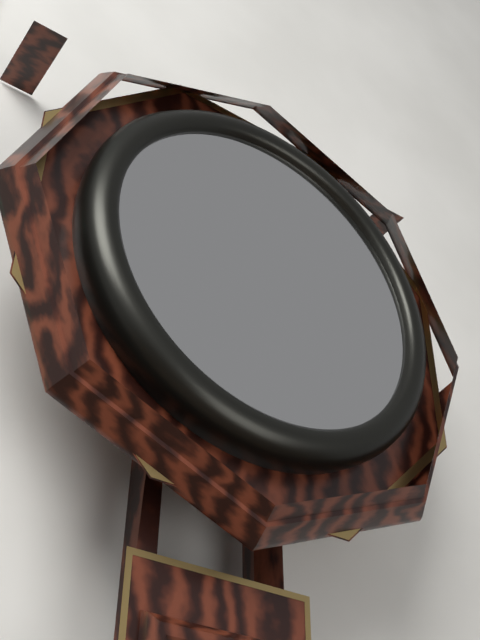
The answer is 5:20
